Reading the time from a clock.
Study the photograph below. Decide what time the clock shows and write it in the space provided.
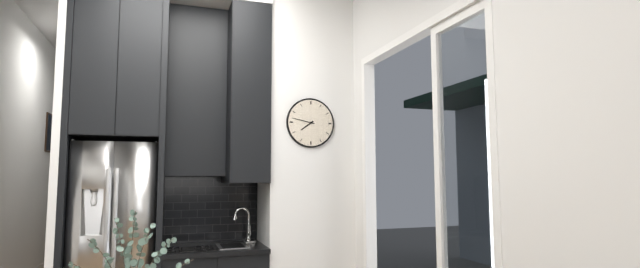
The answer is 7:47
